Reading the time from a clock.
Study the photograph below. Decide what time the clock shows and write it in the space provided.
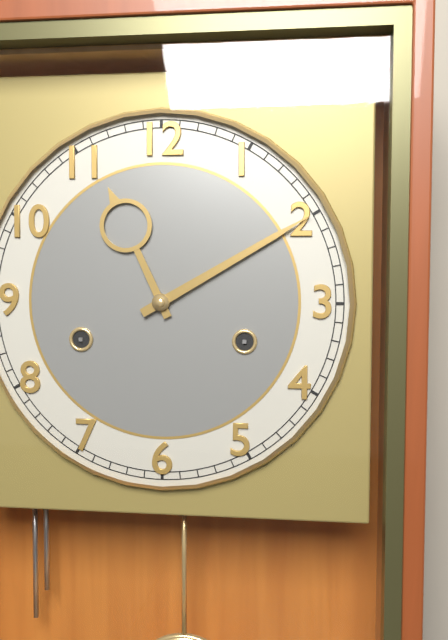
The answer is 11:10
